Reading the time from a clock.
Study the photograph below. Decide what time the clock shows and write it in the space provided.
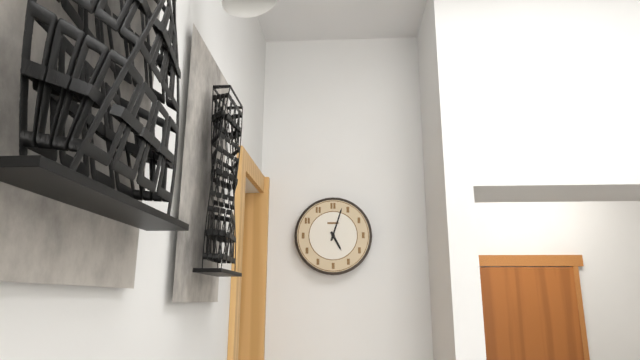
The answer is 5:03
